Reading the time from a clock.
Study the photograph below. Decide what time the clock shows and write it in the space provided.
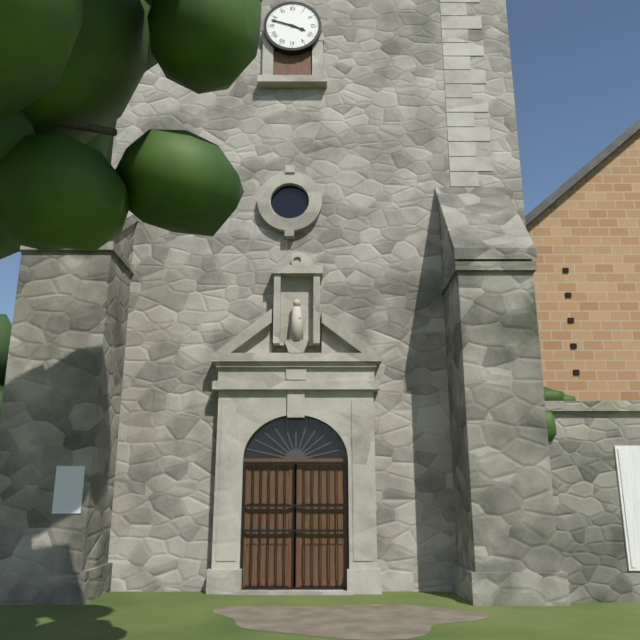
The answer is 3:48
